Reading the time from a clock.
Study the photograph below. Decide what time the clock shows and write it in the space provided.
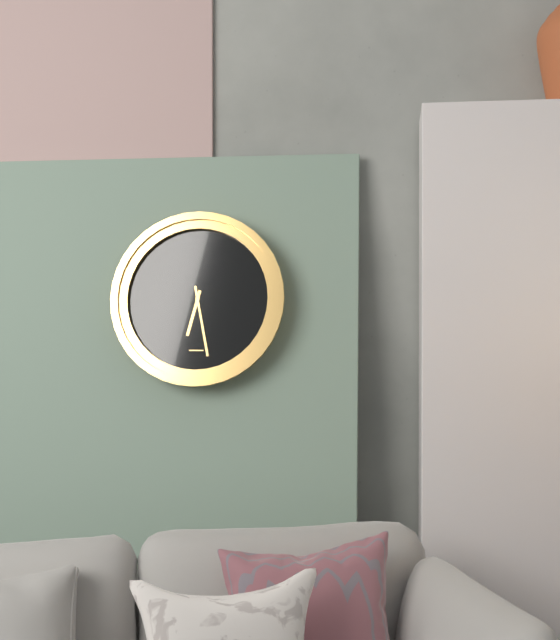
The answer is 6:28
